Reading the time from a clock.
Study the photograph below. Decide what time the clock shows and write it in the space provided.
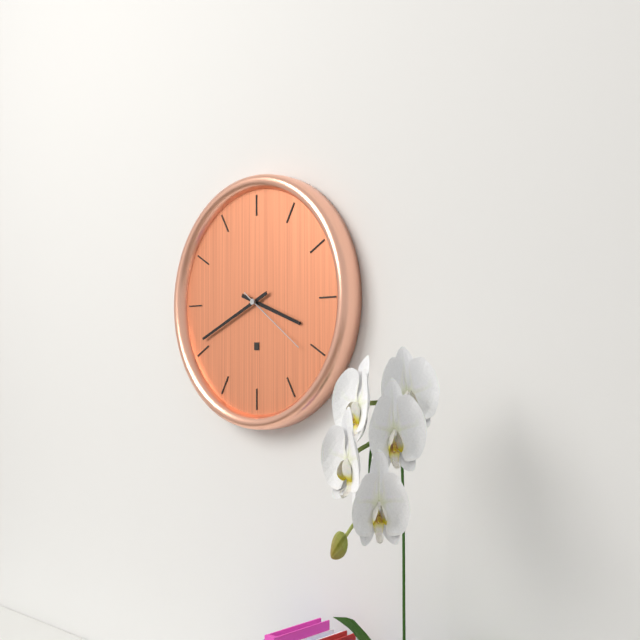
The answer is 3:41:21
